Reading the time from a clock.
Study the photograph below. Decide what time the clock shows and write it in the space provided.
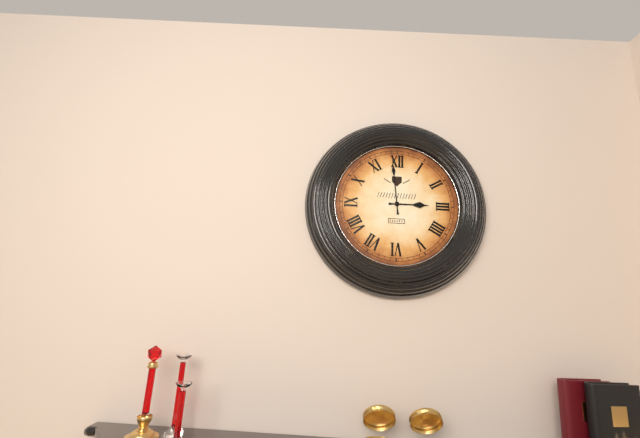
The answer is 2:59
